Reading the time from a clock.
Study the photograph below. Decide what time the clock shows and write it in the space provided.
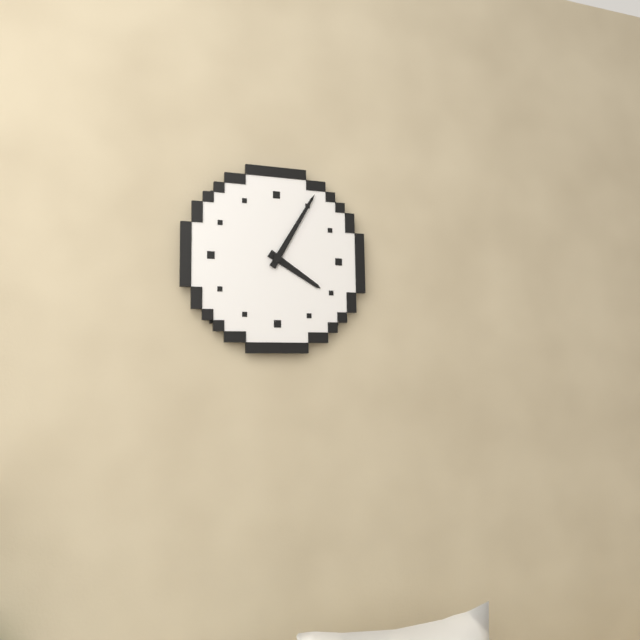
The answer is 4:05
